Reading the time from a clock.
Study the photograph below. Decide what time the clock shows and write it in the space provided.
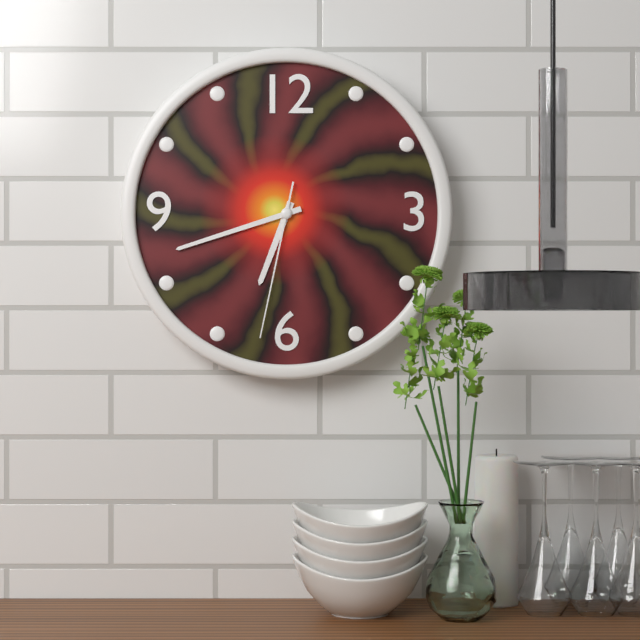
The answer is 6:42:32
